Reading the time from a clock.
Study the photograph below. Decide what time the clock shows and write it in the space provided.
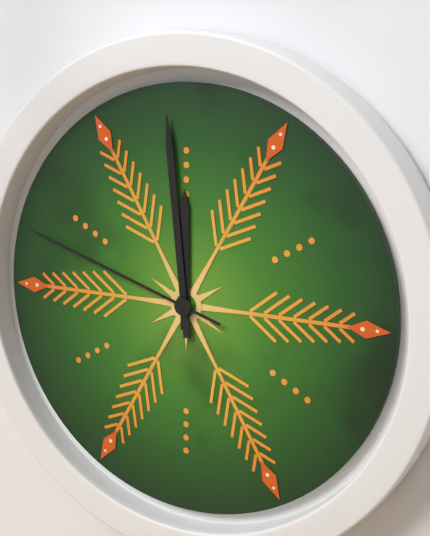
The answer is 11:59:48
